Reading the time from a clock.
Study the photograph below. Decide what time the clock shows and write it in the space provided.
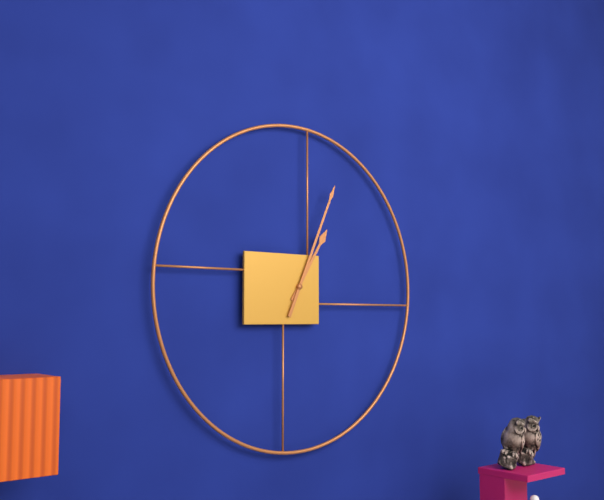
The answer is 1:04
